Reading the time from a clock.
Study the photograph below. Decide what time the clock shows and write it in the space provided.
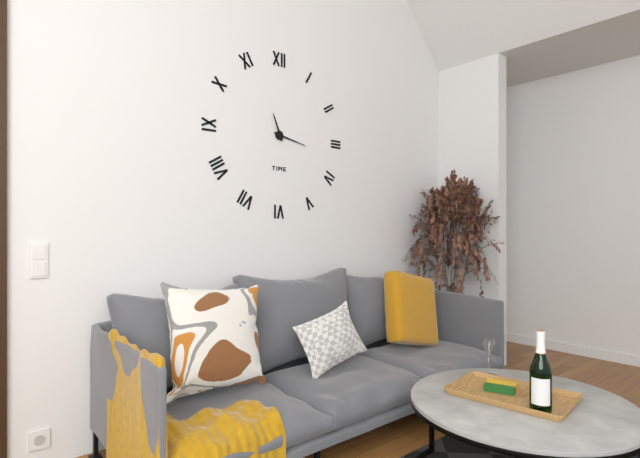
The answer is 11:17
